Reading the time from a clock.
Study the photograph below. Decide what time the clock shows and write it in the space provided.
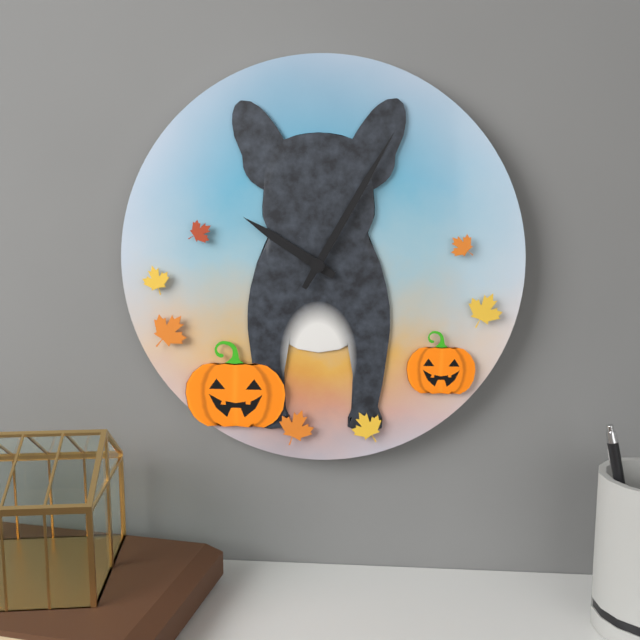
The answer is 10:05
